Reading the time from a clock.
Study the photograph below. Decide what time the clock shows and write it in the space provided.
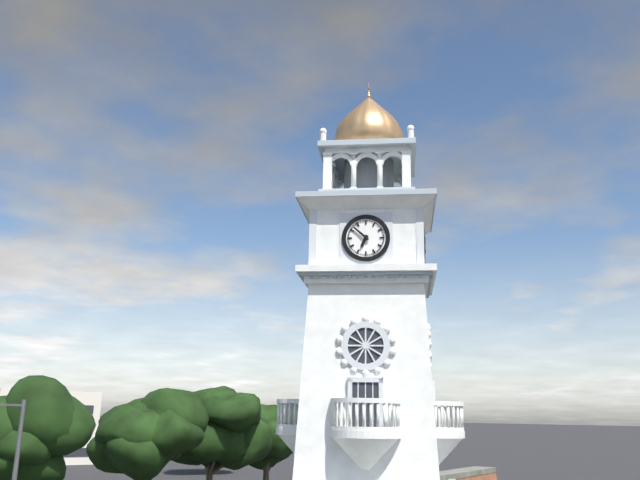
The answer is 6:52
